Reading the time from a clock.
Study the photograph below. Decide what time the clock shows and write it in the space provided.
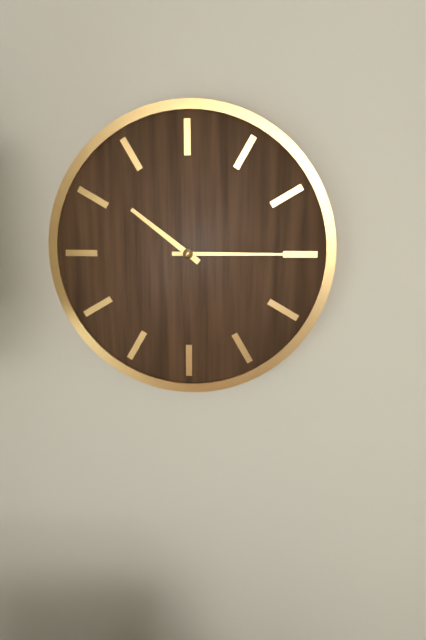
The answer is 10:15
